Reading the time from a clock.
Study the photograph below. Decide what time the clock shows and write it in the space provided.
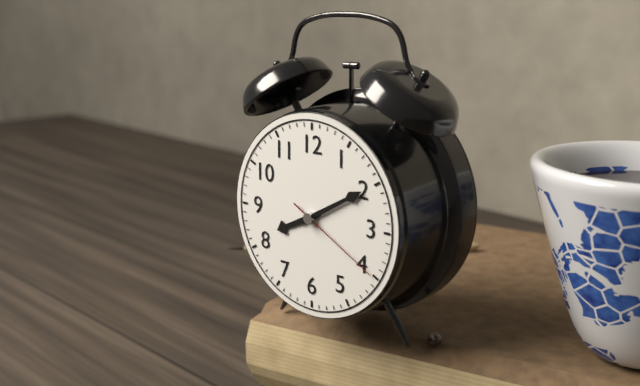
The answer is 8:10:20
